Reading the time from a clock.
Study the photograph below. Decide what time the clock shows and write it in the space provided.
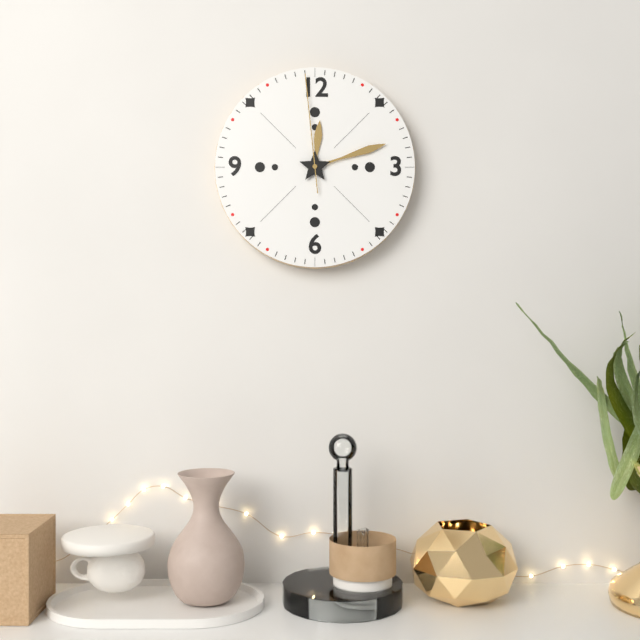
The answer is 12:12:59
